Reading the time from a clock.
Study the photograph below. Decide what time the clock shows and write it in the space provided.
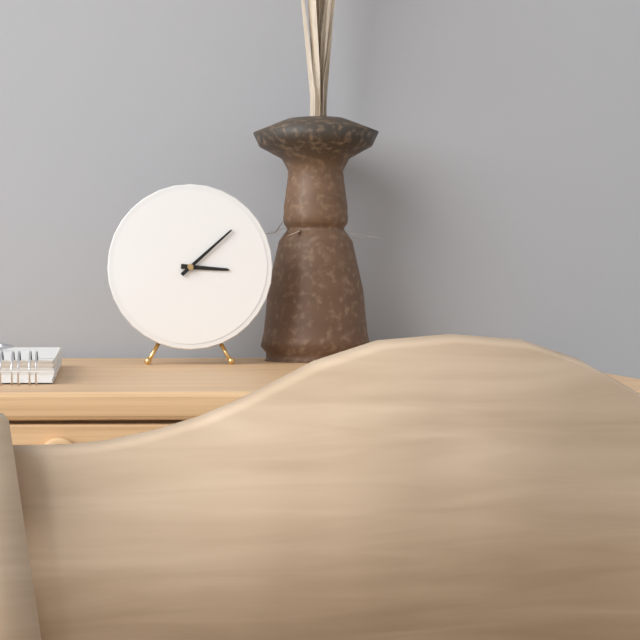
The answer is 3:08
